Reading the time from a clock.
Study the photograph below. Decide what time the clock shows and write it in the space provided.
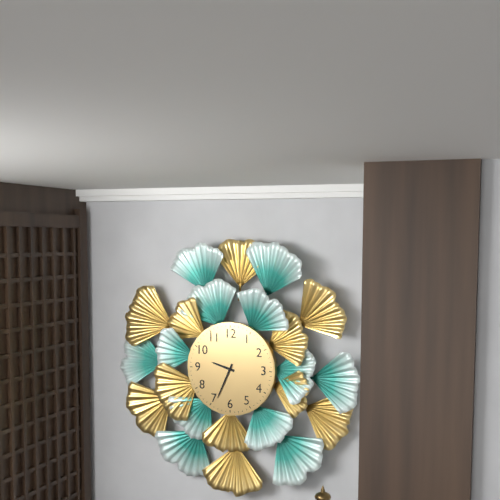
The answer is 9:34
